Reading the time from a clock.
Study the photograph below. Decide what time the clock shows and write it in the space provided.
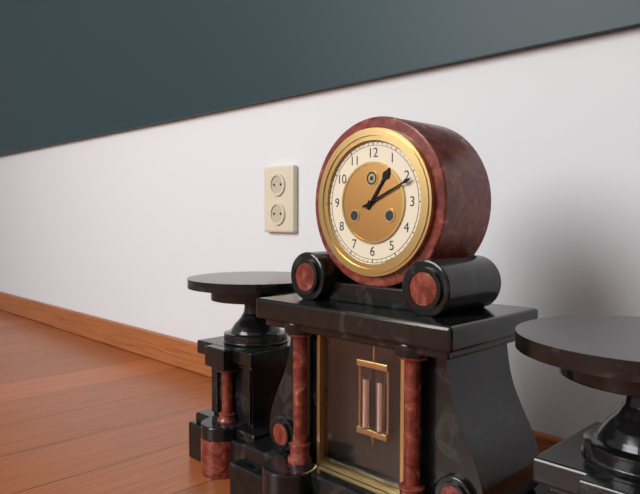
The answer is 1:11
